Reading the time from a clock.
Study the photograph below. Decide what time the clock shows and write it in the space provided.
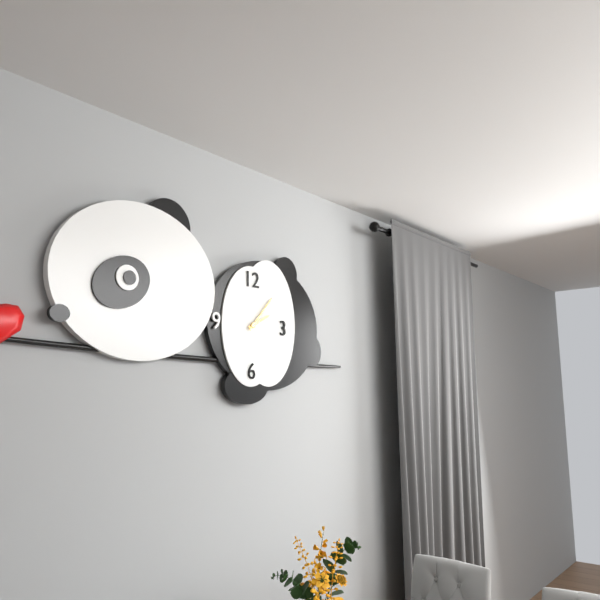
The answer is 2:07
